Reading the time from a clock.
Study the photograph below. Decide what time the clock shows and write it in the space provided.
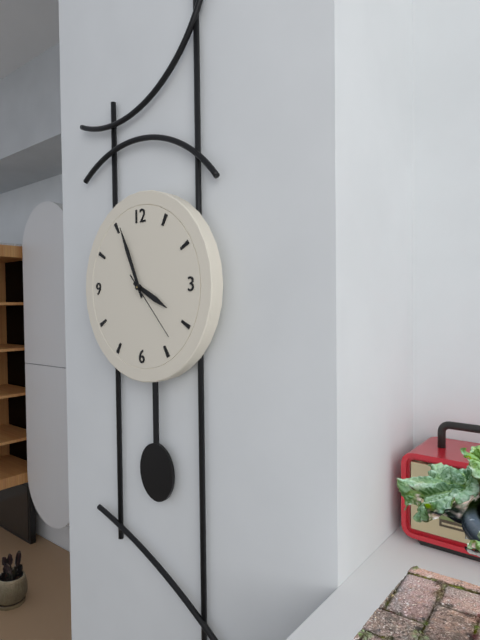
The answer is 3:56:23
